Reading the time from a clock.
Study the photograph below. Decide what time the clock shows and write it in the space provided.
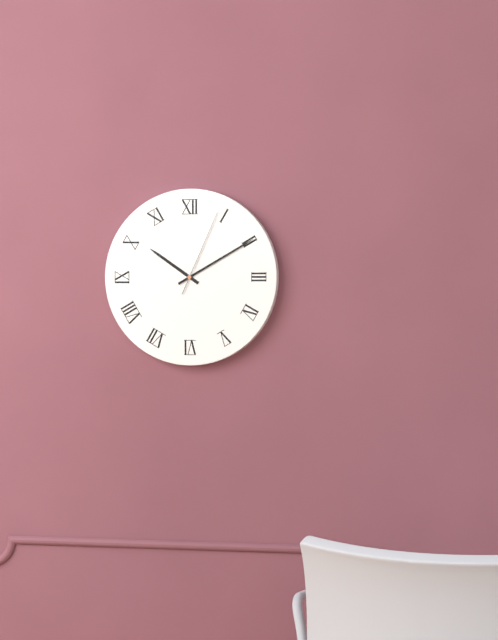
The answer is 10:10:04
